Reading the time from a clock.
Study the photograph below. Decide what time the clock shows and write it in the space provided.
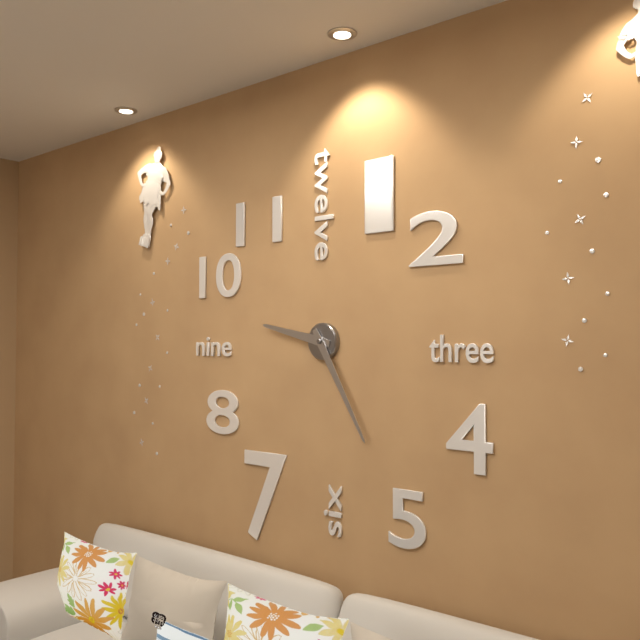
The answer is 9:25
